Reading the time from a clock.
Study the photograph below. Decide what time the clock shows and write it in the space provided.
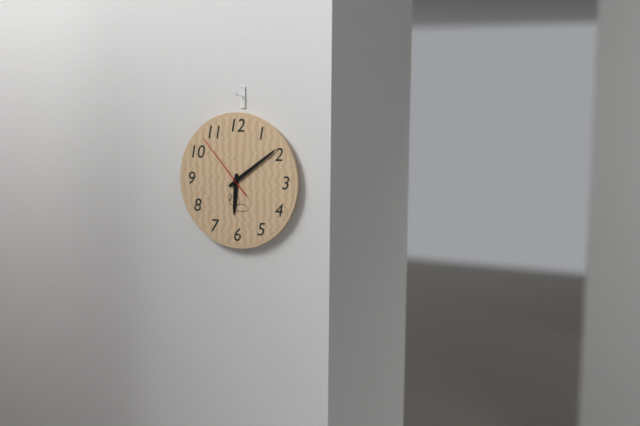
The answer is 6:09:53
